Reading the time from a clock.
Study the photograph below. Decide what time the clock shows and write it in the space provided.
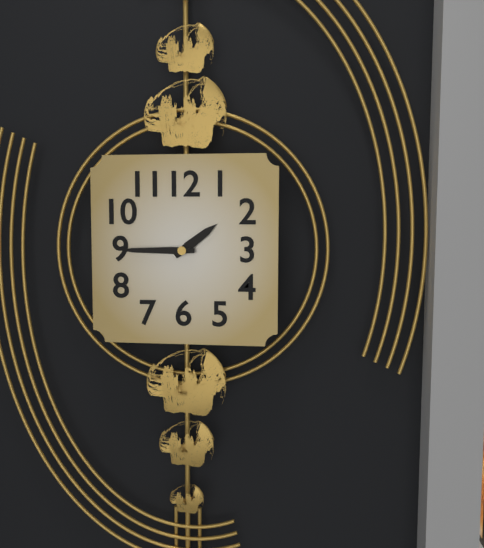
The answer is 1:45
